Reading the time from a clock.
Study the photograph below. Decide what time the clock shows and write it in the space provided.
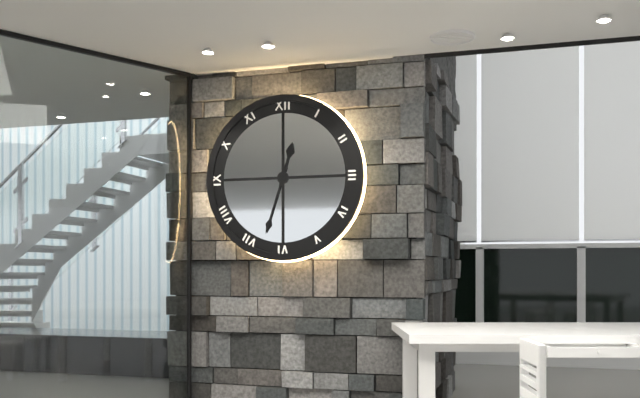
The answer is 12:33
